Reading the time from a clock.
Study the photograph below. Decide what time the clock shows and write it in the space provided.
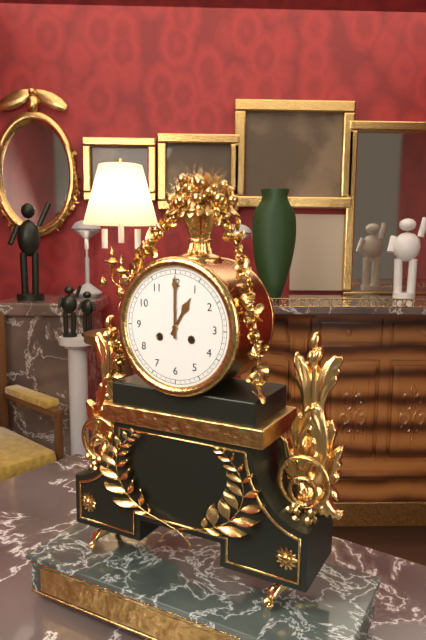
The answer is 1:00
